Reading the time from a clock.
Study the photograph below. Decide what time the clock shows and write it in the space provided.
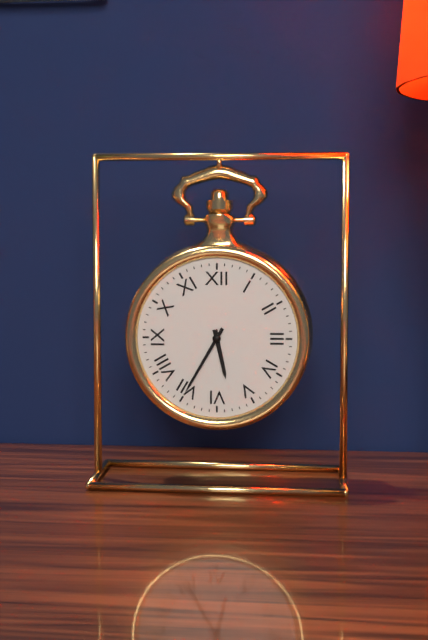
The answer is 5:35
